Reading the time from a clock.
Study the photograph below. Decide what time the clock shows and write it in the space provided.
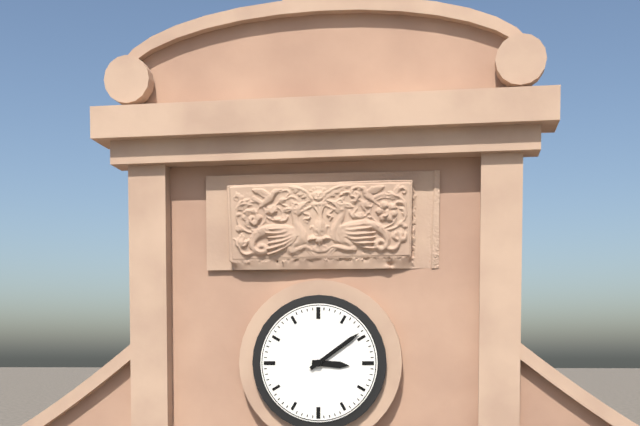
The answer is 3:09
